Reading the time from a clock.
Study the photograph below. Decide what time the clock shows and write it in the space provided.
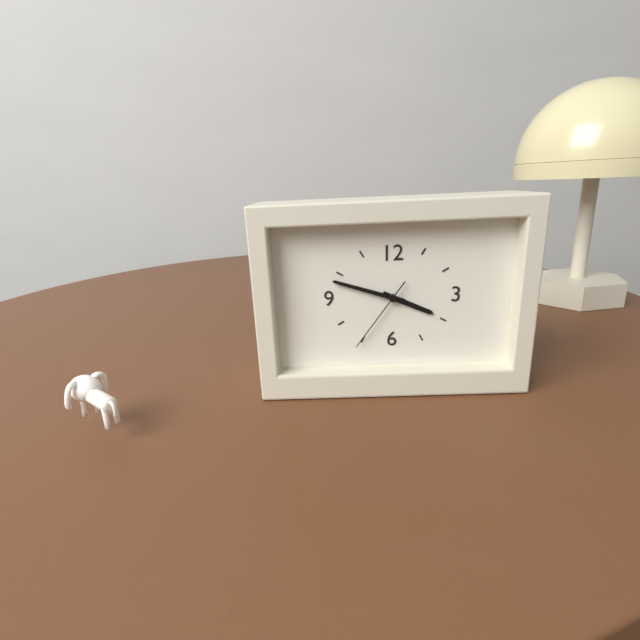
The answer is 3:48:36
